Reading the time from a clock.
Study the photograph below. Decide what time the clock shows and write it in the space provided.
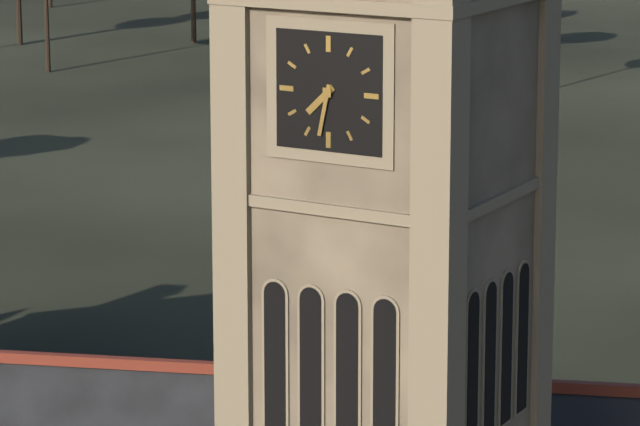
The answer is 7:32
